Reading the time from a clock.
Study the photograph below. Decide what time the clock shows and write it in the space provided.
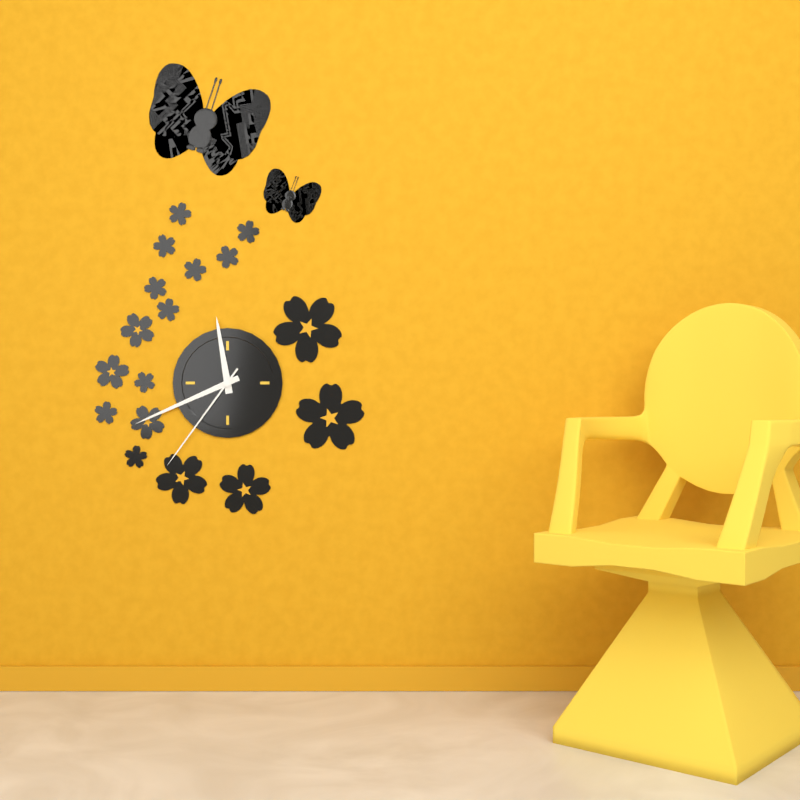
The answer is 11:41:36
